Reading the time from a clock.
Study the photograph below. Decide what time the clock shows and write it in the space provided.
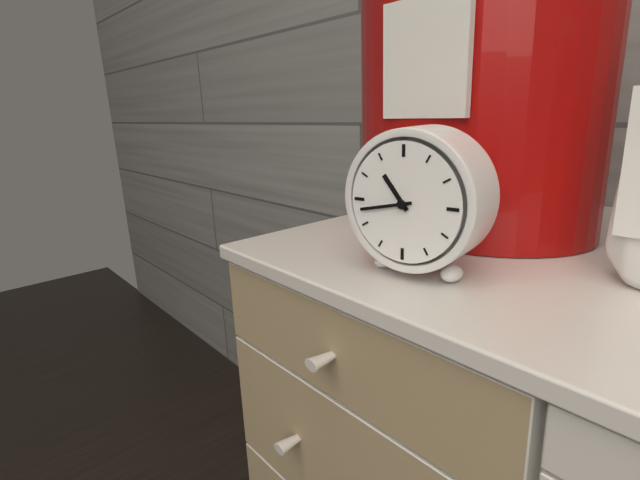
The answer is 10:43
